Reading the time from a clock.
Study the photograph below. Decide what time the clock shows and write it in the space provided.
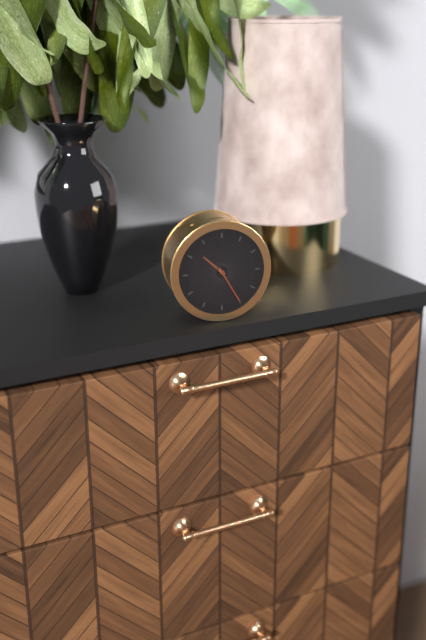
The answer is 10:25
